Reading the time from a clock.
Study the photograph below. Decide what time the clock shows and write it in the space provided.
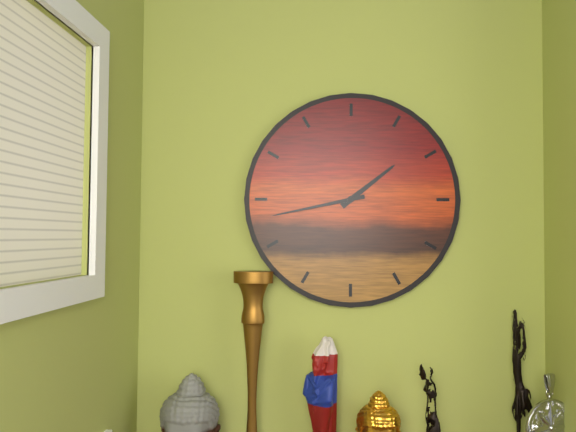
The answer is 1:43
